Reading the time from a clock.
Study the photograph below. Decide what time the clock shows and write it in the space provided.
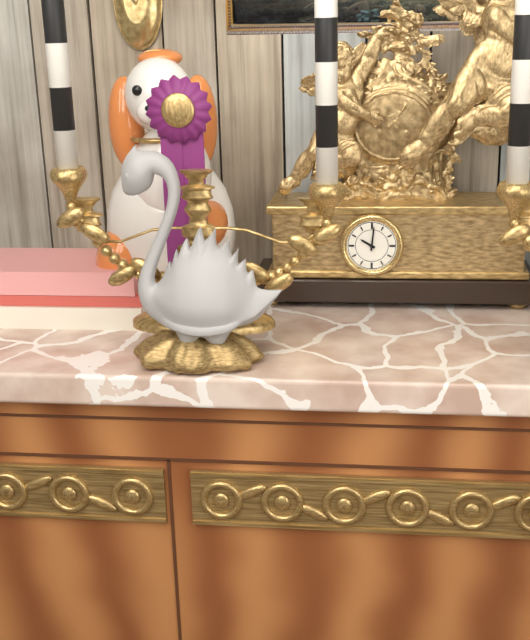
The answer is 10:01
